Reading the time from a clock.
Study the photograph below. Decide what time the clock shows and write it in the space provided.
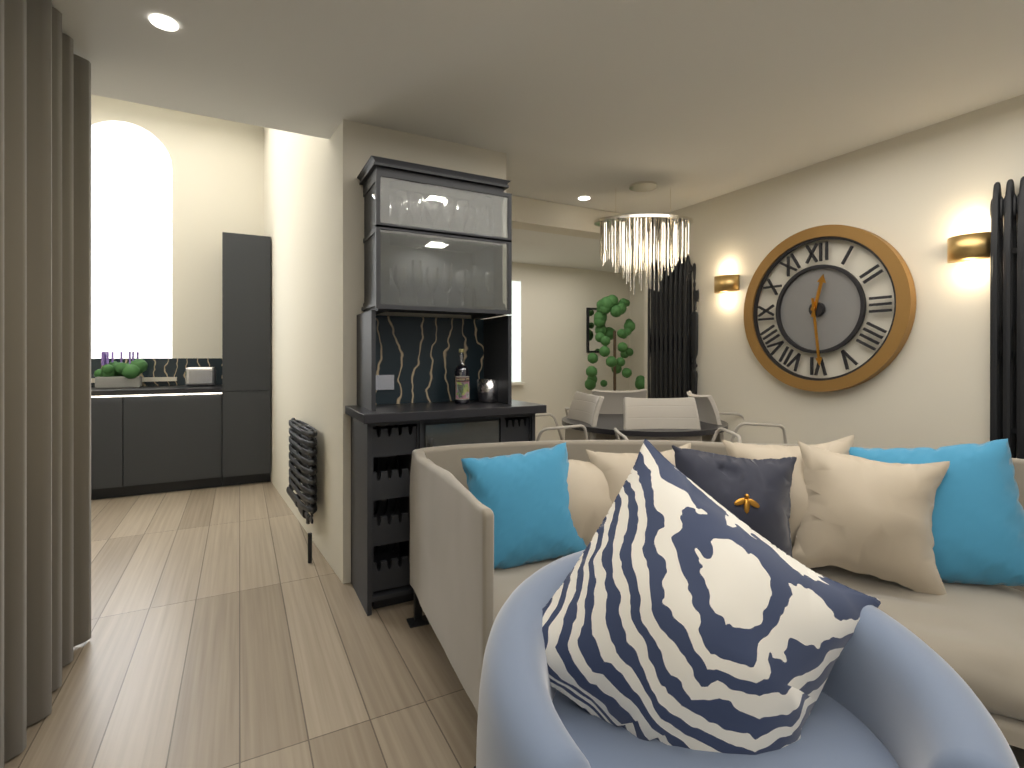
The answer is 12:29
